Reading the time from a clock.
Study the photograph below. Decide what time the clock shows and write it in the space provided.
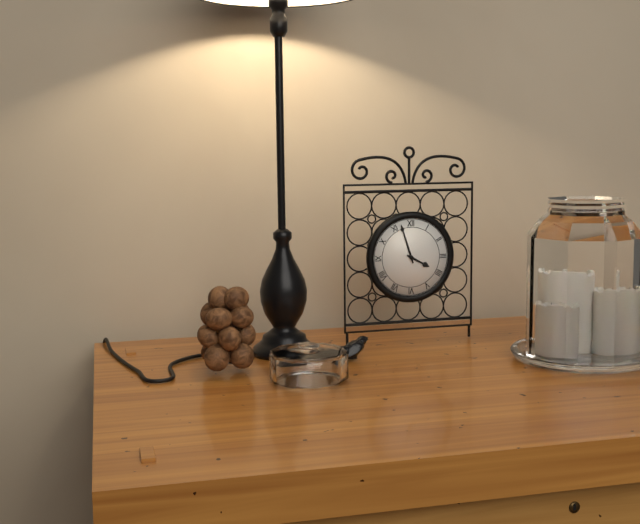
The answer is 3:57
